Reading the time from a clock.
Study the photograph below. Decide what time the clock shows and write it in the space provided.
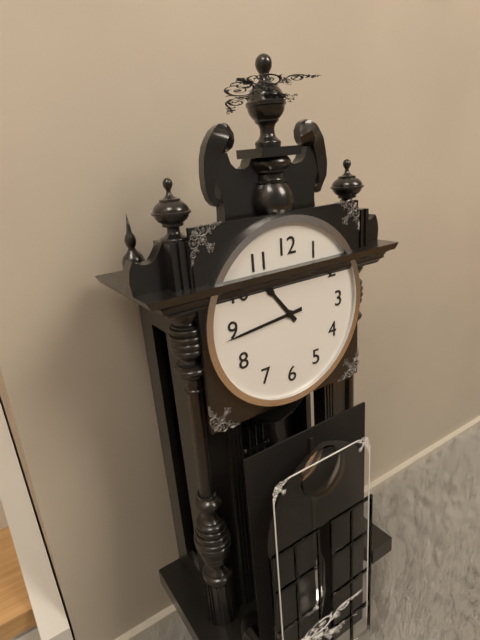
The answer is 10:44
